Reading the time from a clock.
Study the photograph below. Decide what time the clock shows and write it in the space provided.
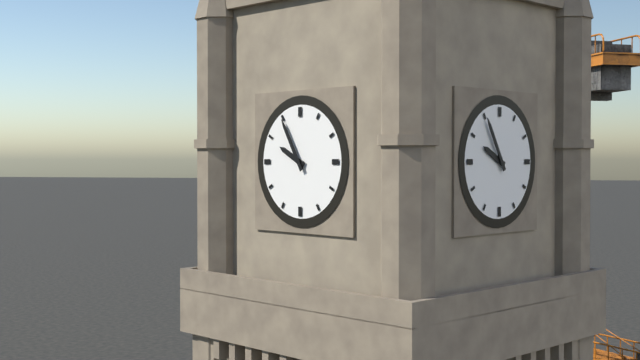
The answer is 9:55
